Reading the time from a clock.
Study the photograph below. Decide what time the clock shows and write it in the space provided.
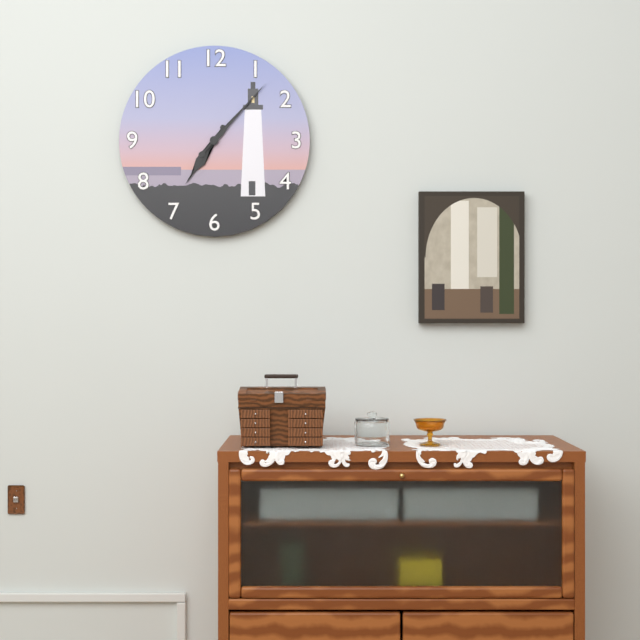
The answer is 7:07
